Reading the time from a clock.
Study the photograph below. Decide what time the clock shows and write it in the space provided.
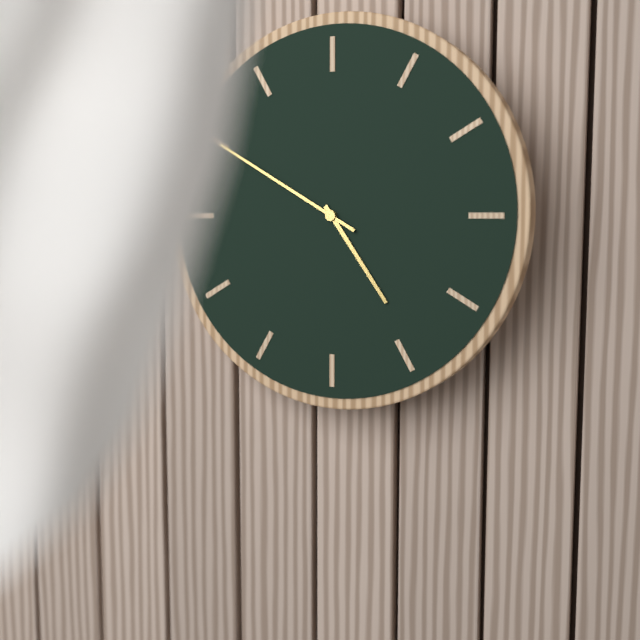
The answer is 4:50
